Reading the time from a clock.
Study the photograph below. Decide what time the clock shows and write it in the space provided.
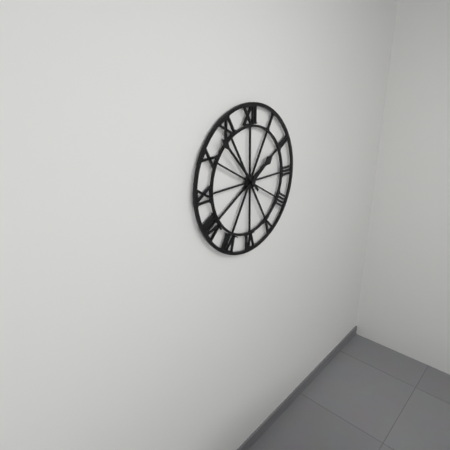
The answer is 1:53
